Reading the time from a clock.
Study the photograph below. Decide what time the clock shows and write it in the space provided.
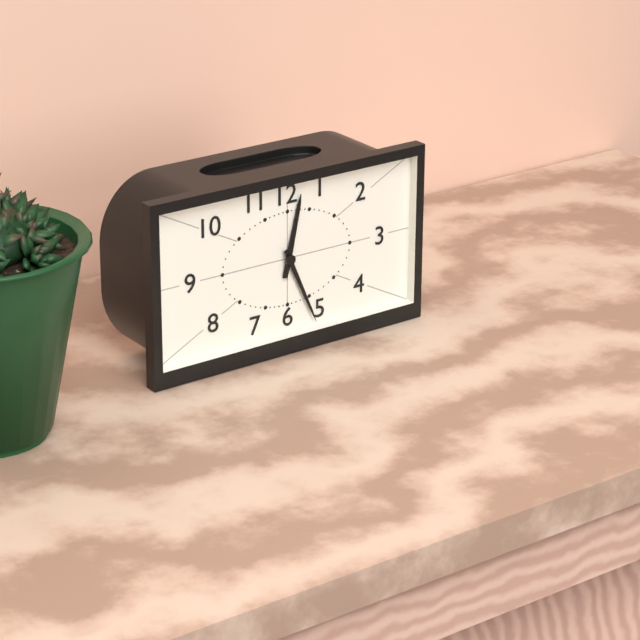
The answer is 12:26
